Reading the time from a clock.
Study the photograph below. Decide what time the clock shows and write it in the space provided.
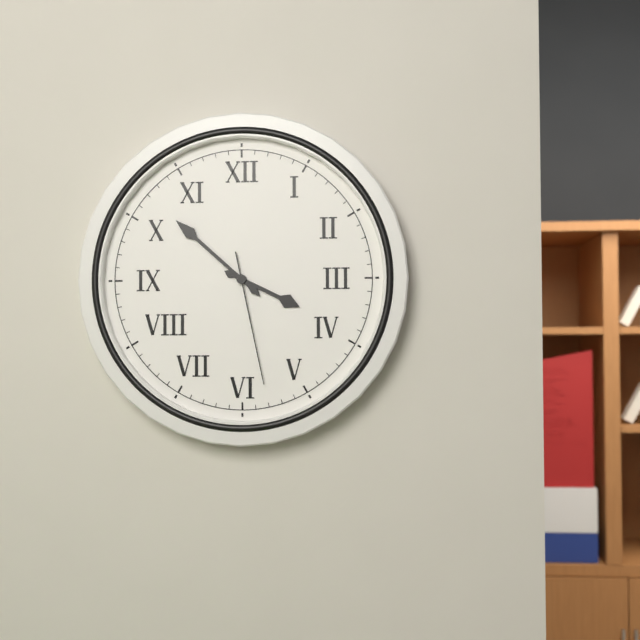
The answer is 3:52:28
